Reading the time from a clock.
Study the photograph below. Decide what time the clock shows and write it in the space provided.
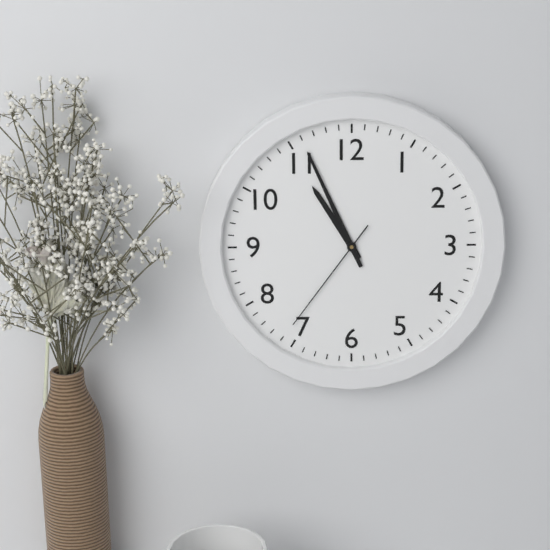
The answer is 10:56:36
